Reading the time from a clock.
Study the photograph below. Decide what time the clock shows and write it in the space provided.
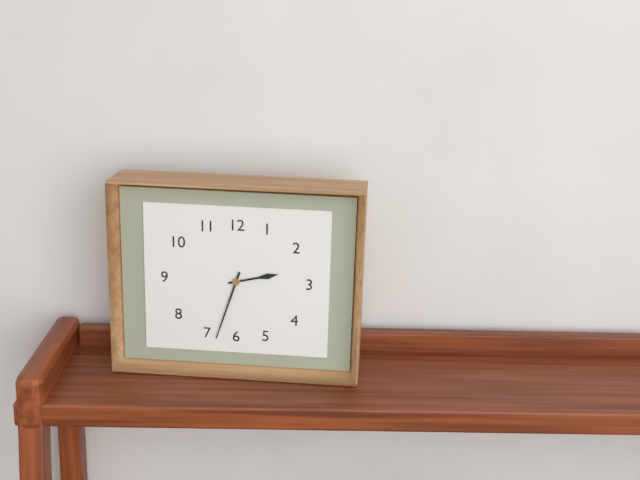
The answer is 2:33
